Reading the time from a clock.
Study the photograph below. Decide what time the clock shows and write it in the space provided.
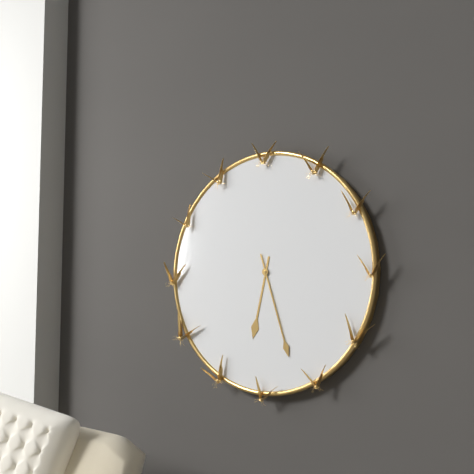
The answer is 6:27
